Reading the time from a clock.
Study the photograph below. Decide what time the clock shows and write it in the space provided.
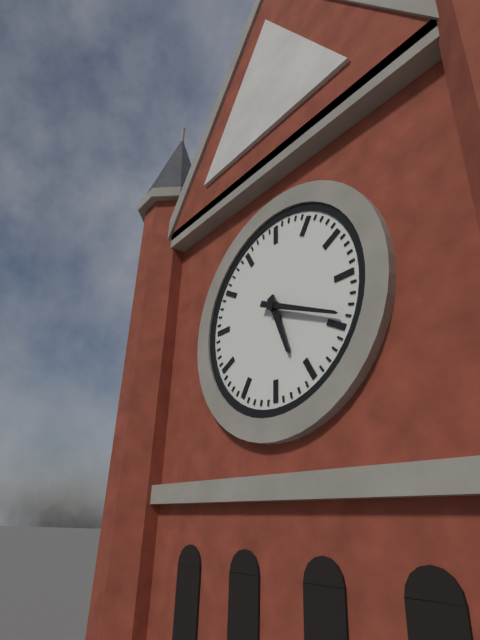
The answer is 5:19
